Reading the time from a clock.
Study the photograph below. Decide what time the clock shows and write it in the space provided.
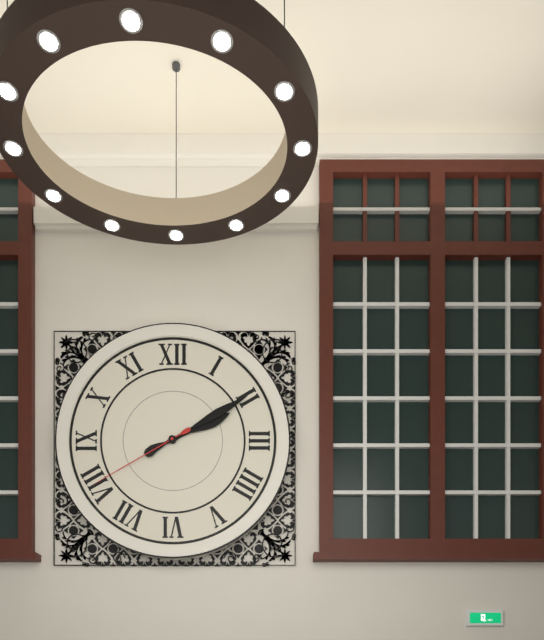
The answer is 2:10:40
